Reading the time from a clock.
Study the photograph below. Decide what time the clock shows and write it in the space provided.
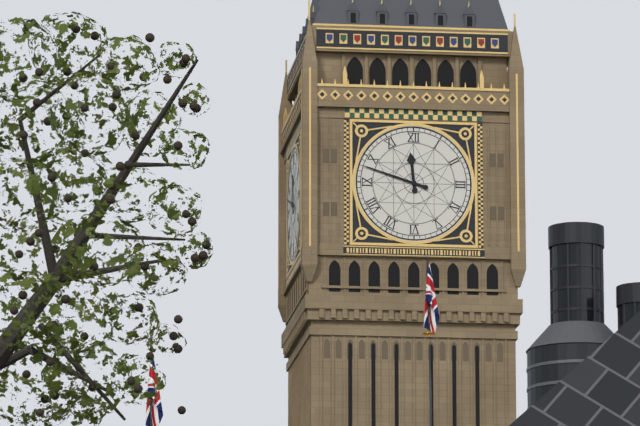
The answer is 11:48
